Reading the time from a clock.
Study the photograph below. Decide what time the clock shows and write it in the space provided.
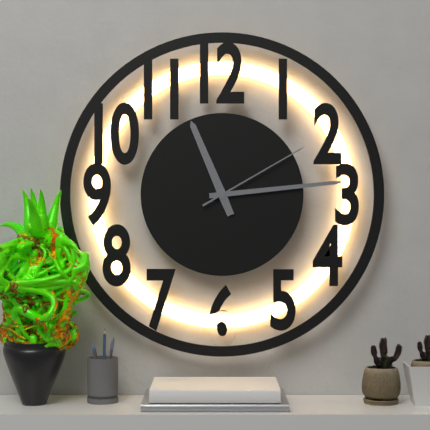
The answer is 11:14:10
